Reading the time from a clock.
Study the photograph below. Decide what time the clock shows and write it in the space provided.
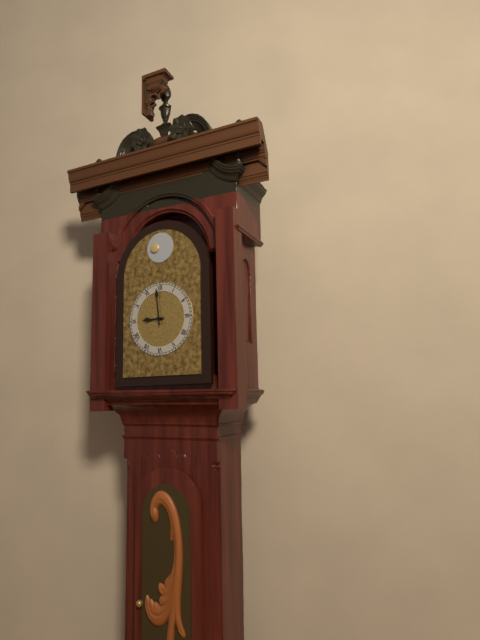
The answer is 8:59
